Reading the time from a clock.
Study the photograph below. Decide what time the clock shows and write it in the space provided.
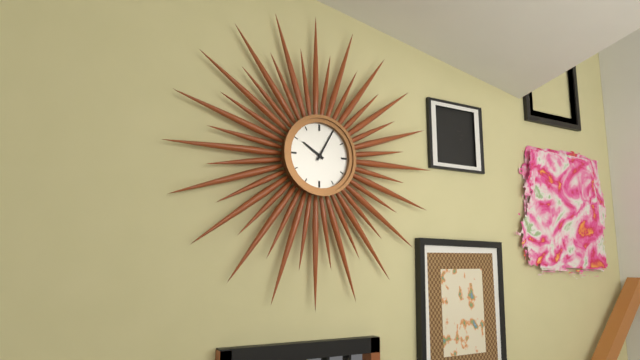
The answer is 10:05
